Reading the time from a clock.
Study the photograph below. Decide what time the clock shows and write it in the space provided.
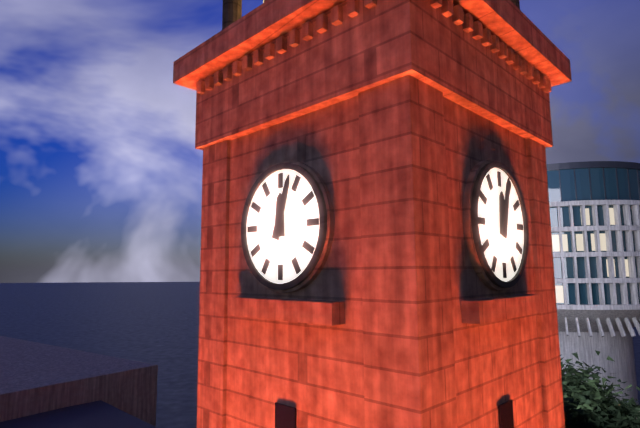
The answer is 12:03
